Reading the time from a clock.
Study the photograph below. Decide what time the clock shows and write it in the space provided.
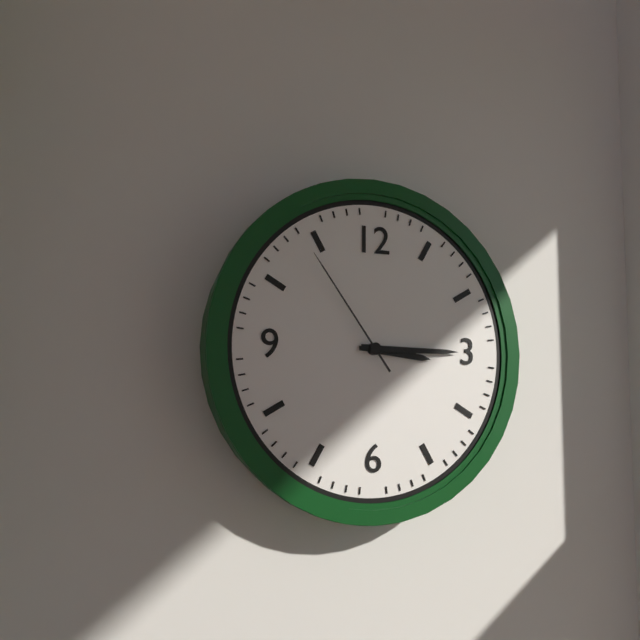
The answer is 3:15:54
